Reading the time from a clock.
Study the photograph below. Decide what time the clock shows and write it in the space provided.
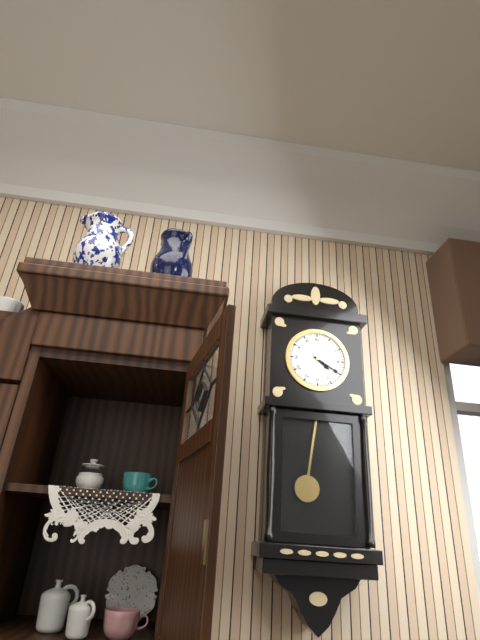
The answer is 4:20
